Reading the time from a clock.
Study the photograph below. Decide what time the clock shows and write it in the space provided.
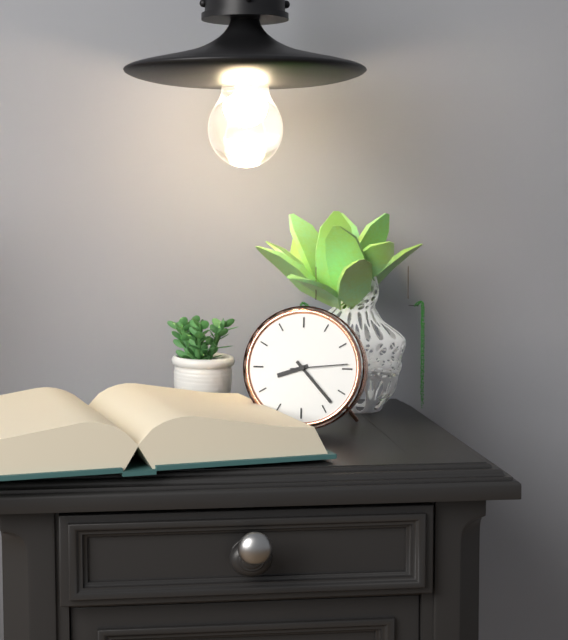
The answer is 8:23:14
